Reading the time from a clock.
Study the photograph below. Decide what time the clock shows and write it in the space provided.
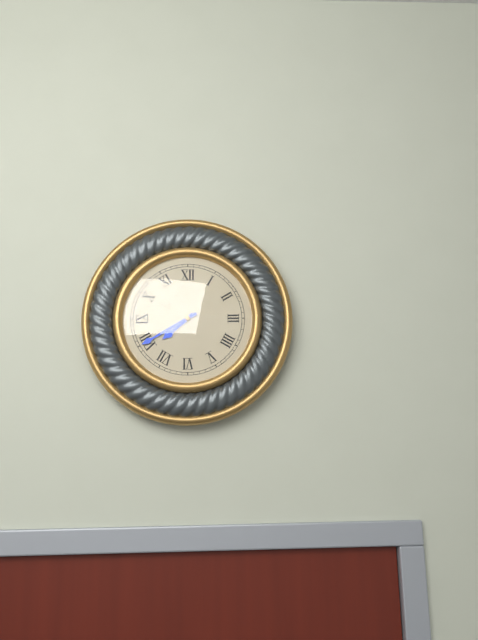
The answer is 7:40
